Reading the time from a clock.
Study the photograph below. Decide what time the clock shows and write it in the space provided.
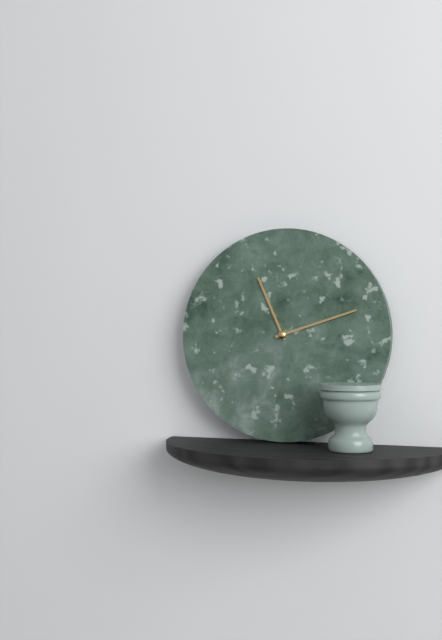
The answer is 11:12
